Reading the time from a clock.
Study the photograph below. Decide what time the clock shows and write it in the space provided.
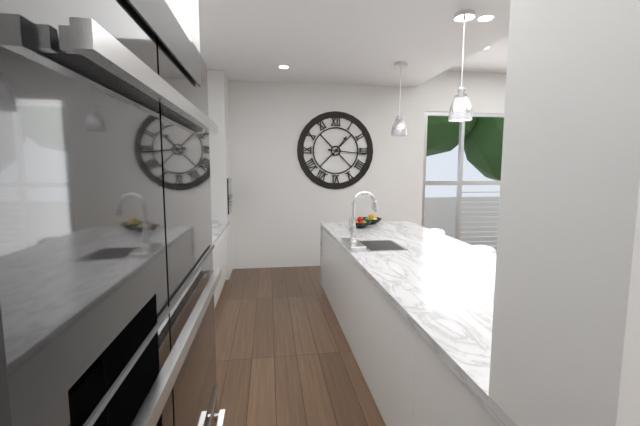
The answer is 1:16
